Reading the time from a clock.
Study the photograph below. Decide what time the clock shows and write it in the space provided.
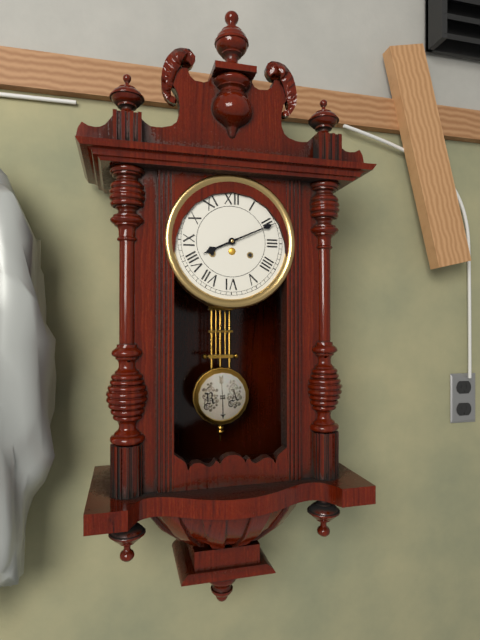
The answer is 8:11
